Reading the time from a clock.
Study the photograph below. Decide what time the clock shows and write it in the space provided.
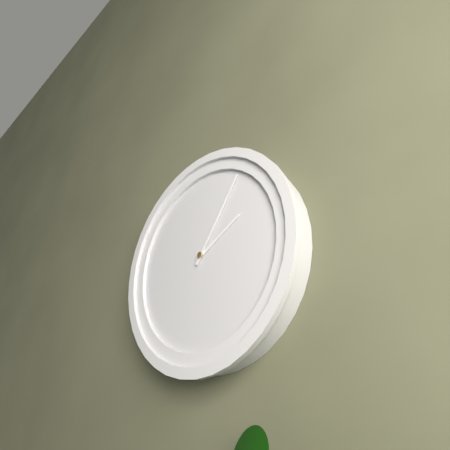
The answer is 2:06
